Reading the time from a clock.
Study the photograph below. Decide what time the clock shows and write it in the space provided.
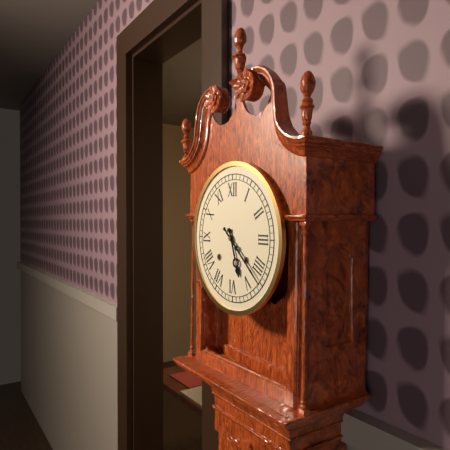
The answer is 5:22
